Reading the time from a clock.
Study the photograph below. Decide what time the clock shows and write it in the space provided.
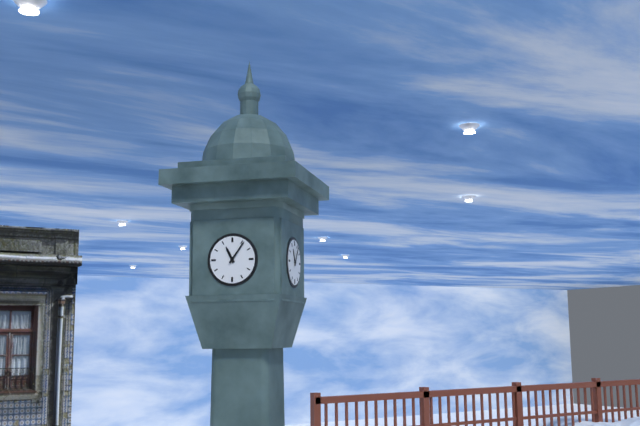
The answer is 11:06
